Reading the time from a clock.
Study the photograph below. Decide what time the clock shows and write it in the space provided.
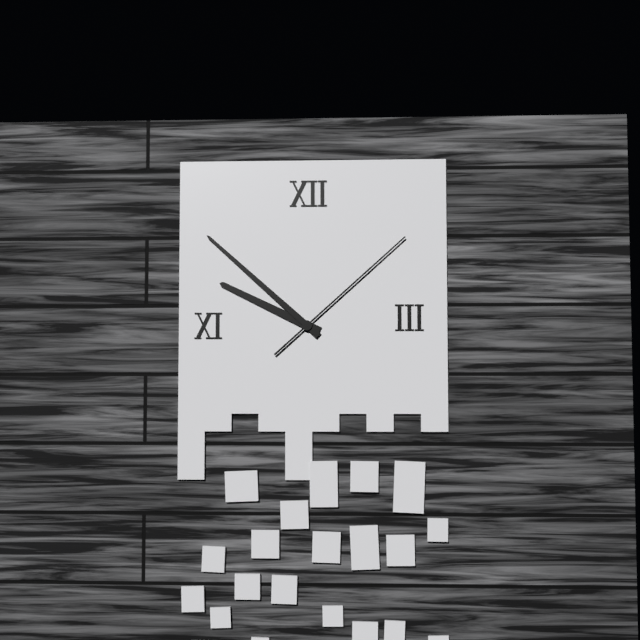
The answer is 9:52:08
